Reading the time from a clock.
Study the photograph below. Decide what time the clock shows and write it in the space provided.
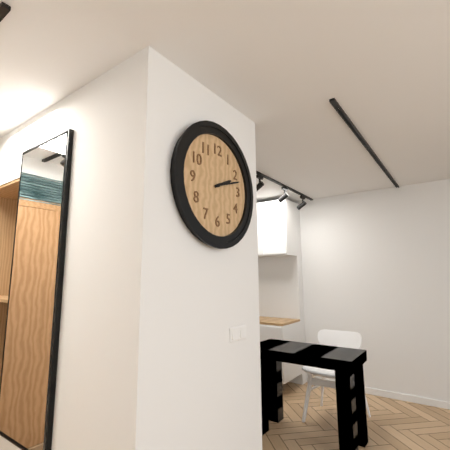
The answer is 2:12
